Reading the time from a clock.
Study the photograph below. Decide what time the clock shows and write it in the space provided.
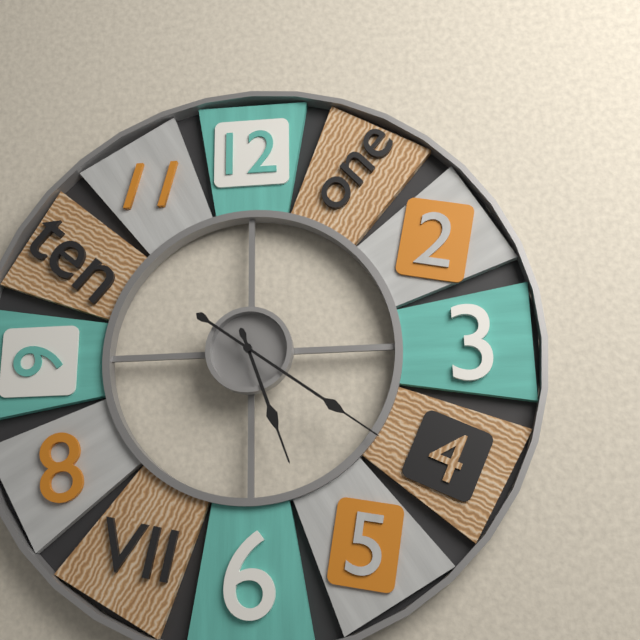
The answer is 5:21
